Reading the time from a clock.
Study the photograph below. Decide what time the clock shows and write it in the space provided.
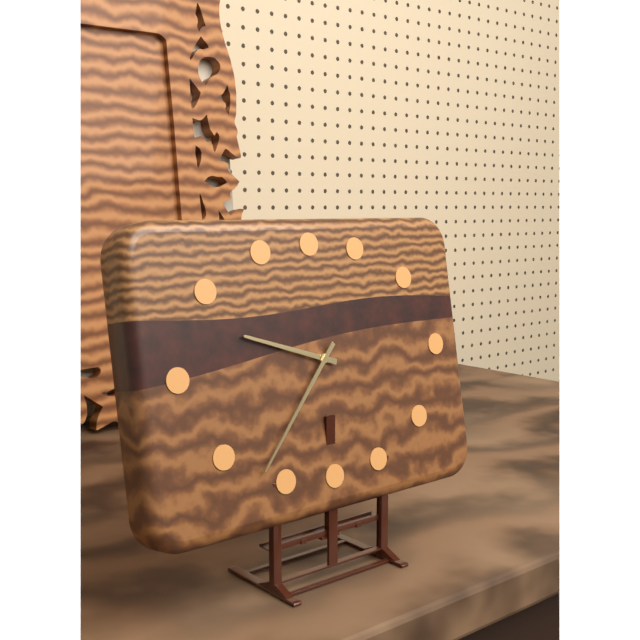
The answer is 9:37
